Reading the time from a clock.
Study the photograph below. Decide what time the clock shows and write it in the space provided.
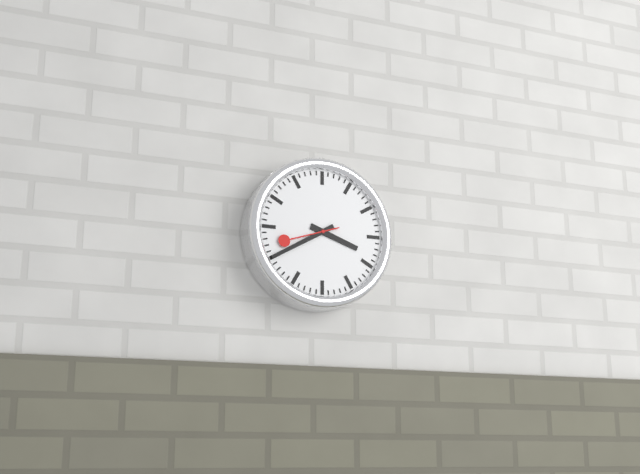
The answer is 3:40
